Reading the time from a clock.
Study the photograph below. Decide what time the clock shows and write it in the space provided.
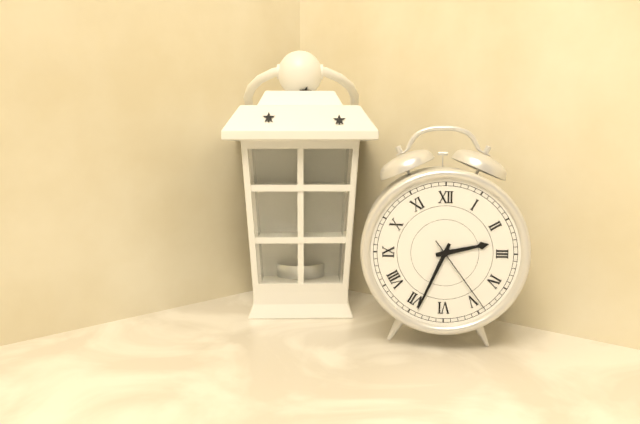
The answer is 2:34:24
